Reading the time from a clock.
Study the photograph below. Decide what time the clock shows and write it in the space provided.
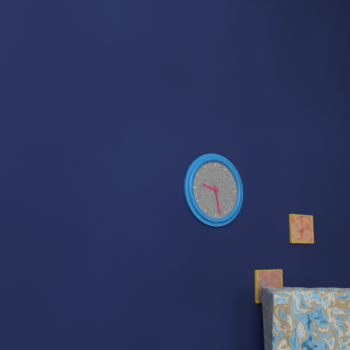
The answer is 9:28
